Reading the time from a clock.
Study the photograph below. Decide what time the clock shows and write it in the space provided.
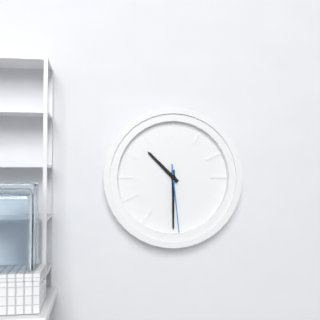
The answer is 10:30:29
